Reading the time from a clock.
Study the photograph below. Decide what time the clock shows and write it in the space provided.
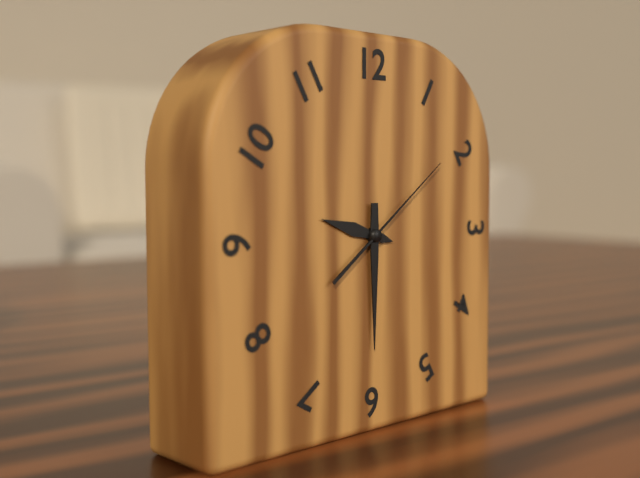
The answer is 9:30:09
